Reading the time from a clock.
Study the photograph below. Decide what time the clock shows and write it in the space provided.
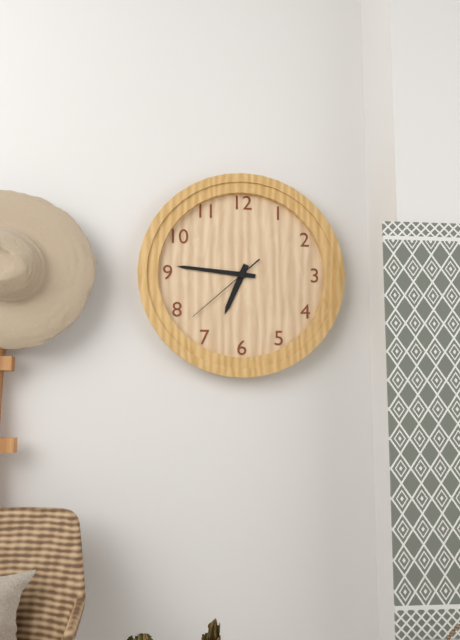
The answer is 6:46:38
